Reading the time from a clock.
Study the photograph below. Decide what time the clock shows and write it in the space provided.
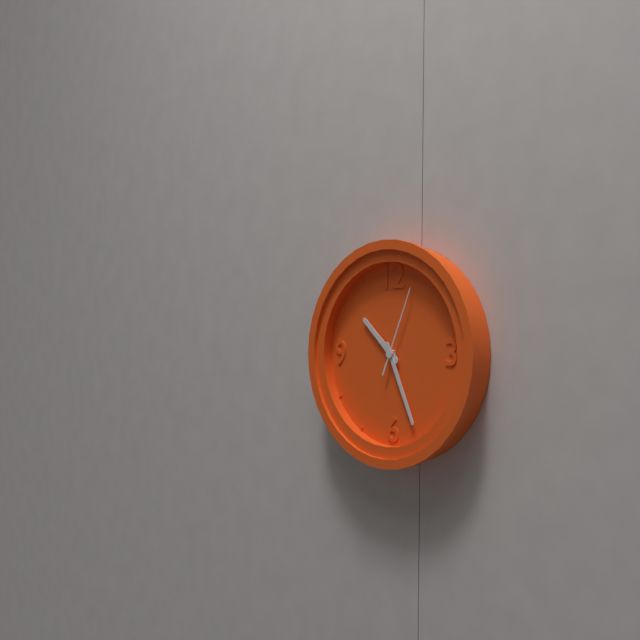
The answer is 10:26:04
